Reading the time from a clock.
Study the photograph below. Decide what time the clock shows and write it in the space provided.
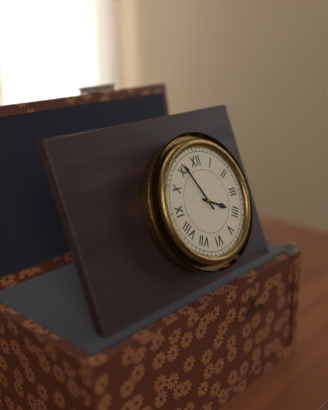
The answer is 3:56
